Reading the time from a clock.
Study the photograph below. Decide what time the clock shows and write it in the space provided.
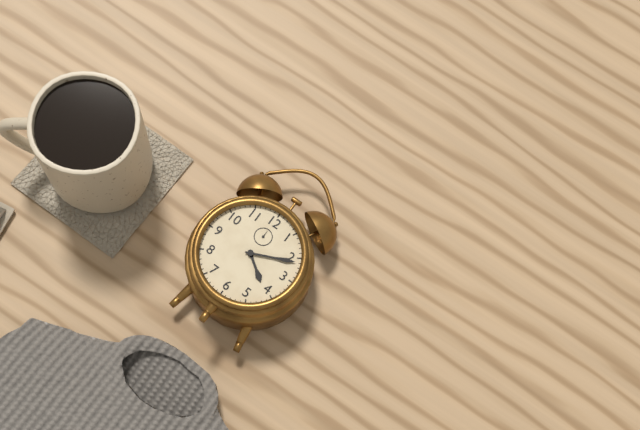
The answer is 4:11
